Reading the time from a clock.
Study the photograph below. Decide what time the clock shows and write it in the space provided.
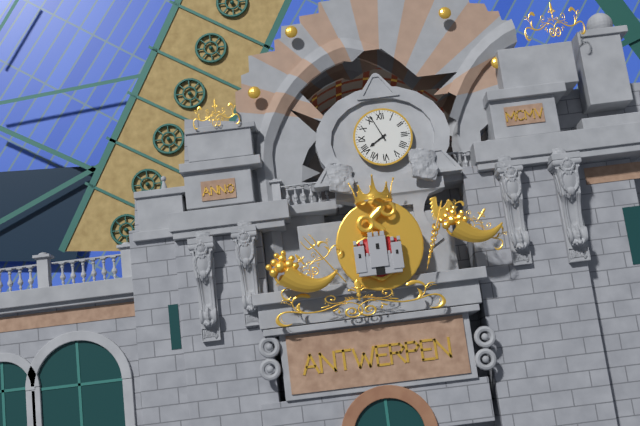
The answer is 7:56
